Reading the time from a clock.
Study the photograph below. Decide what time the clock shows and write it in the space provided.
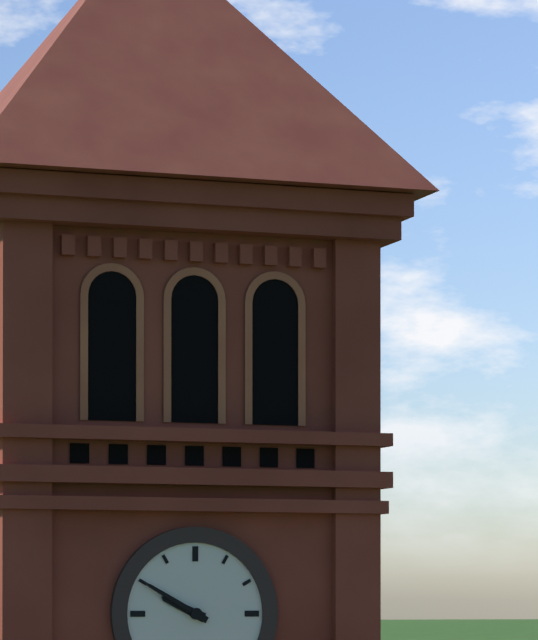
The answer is 9:50
